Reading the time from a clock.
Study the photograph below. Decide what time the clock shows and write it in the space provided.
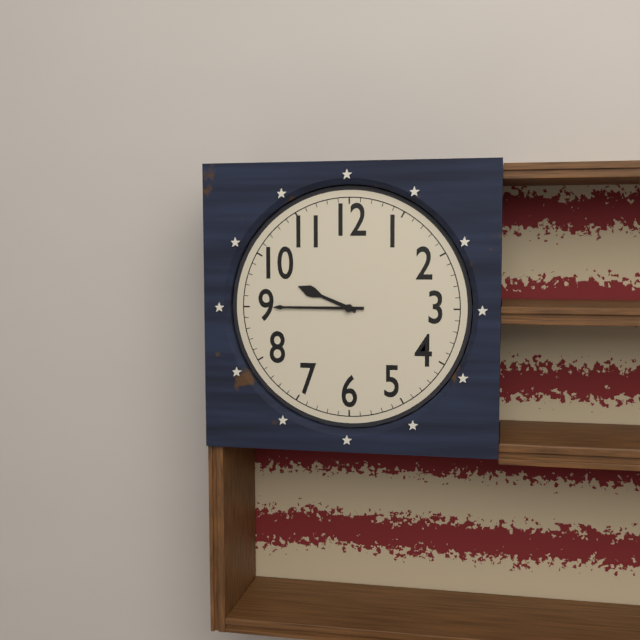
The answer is 9:45
